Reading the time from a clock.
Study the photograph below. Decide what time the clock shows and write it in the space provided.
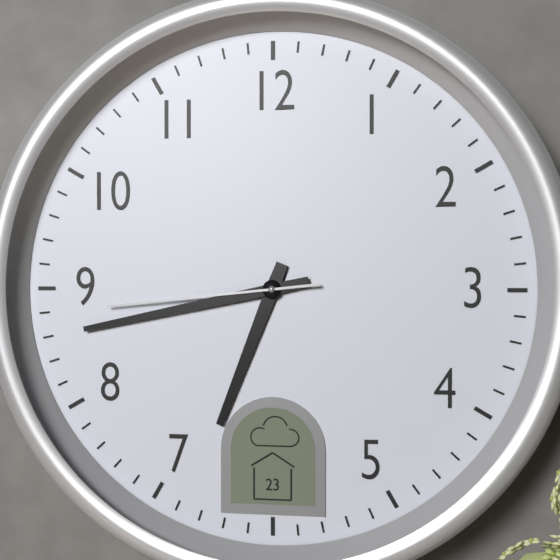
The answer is 6:43:44
